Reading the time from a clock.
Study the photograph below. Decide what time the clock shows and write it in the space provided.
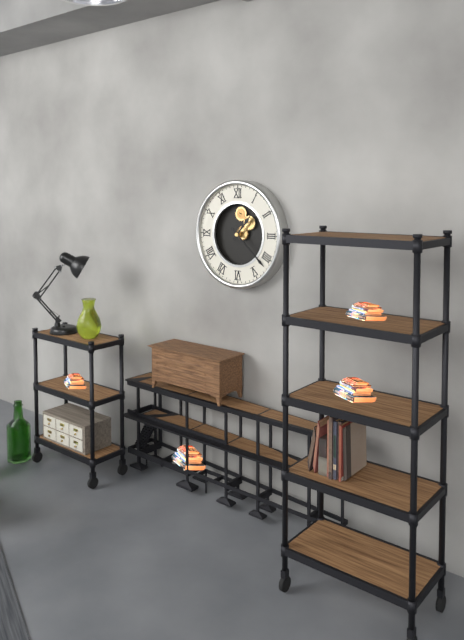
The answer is 1:22
